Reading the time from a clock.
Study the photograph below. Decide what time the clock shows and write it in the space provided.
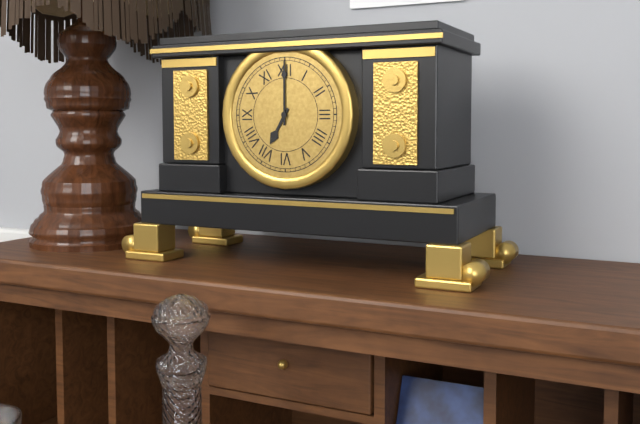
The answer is 7:00
